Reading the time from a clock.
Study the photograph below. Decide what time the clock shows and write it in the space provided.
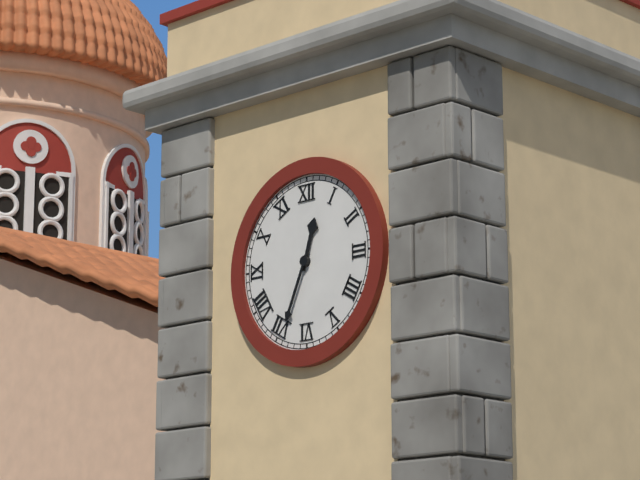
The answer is 12:34
